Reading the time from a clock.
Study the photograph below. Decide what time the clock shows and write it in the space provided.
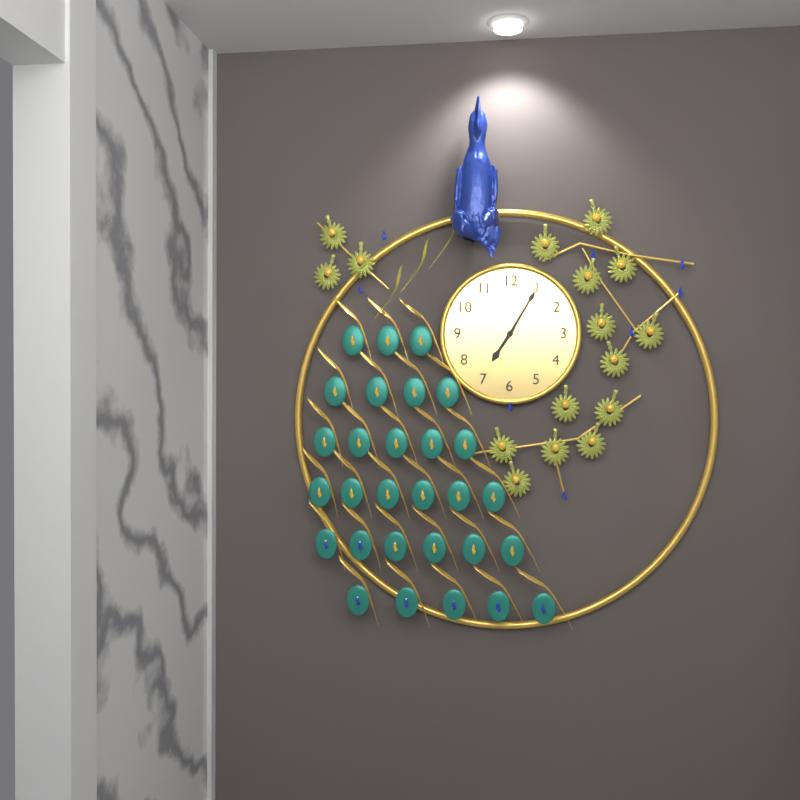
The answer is 7:05
